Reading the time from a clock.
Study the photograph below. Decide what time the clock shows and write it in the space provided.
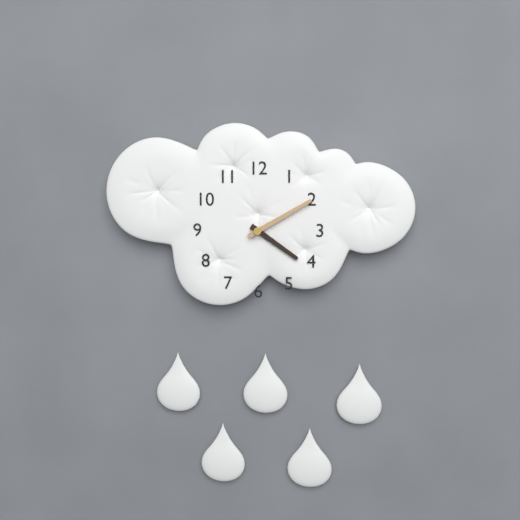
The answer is 4:10
